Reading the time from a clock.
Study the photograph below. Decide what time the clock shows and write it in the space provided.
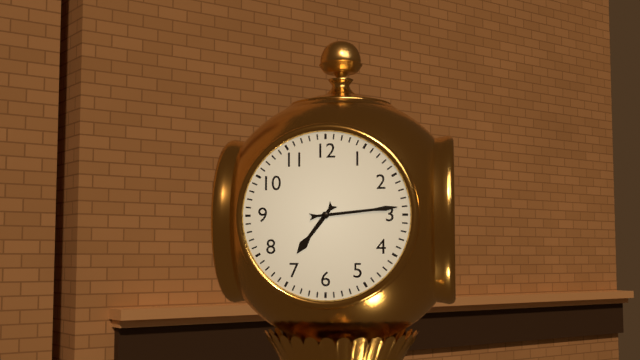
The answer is 7:14
